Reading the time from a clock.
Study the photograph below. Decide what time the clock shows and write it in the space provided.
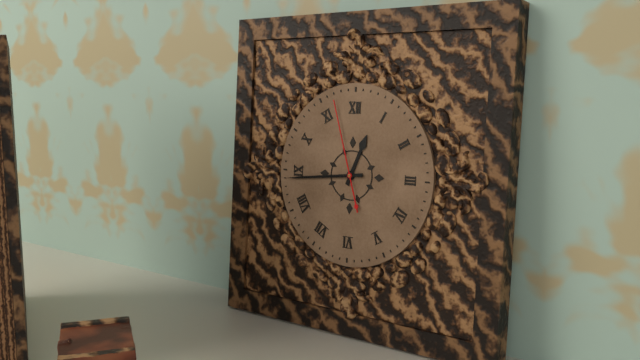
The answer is 12:44:57
